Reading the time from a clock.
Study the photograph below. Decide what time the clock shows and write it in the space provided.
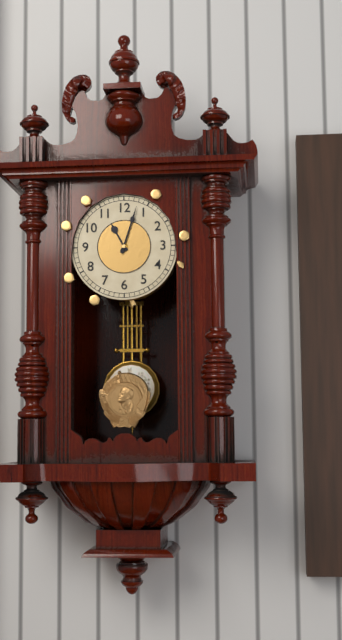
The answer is 11:03
